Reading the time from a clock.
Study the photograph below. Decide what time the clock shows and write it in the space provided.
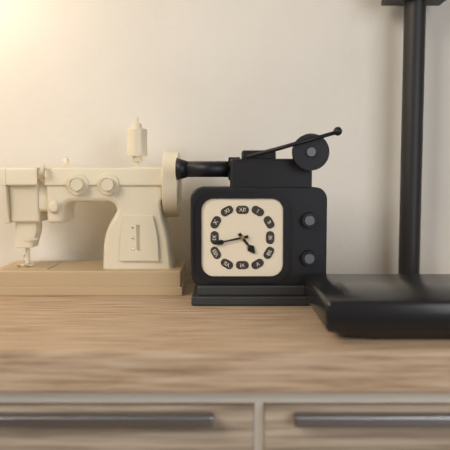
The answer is 4:43
